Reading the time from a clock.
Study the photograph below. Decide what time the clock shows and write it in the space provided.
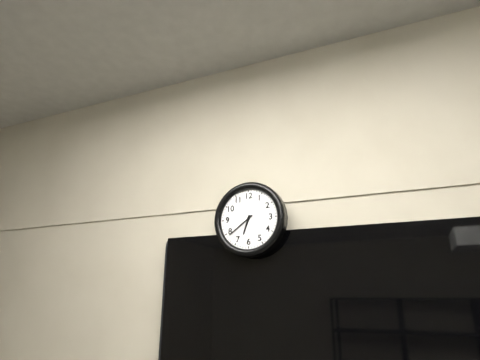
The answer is 6:39
